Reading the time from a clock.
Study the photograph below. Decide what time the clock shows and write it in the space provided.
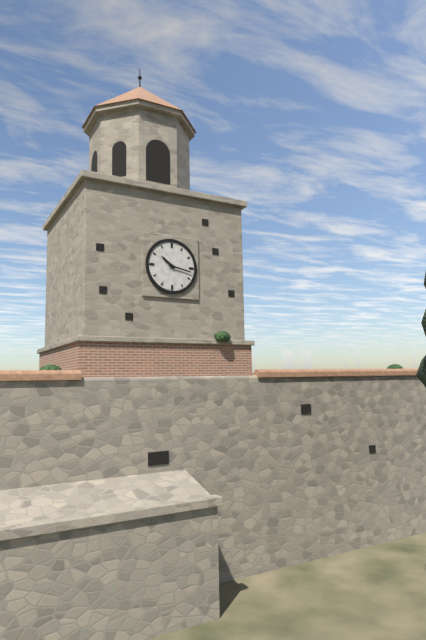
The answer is 10:17
